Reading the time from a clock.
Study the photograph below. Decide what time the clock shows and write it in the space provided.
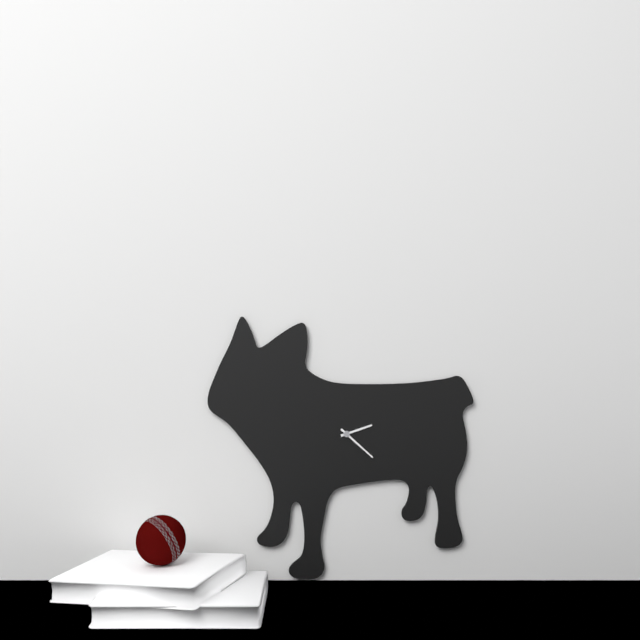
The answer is 2:22
